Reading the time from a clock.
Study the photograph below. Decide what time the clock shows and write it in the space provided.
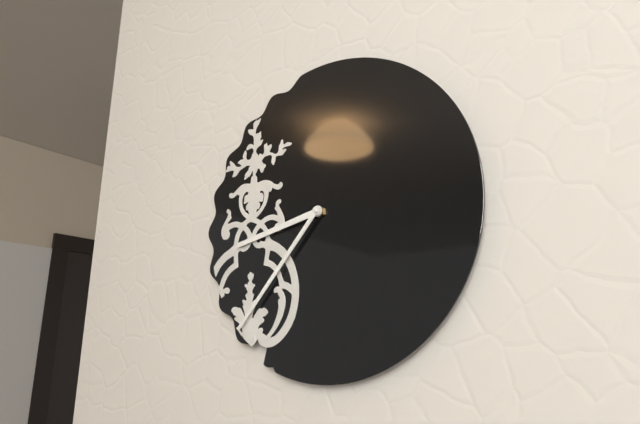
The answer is 8:37
